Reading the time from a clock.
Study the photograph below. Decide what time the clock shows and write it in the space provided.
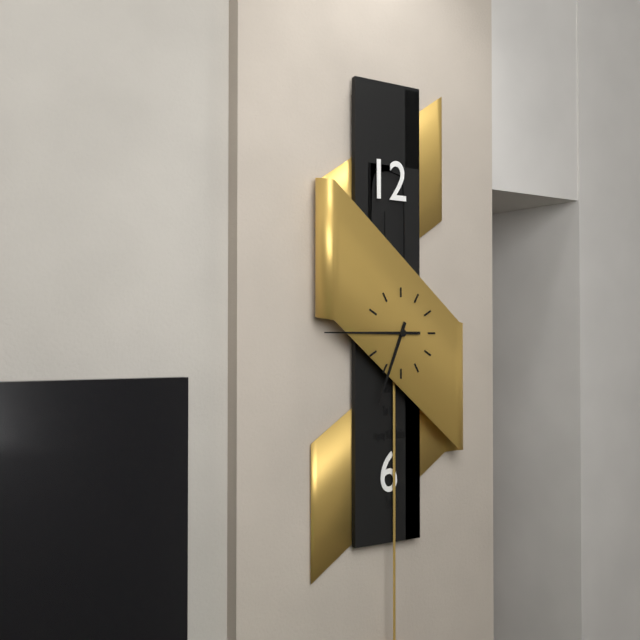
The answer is 6:45
